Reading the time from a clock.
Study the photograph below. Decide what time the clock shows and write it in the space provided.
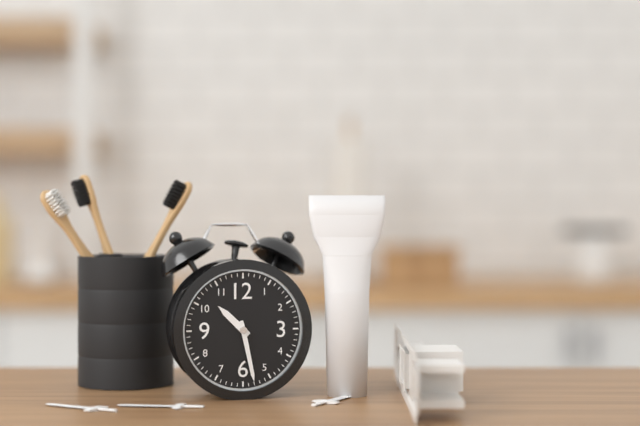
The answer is 10:28
